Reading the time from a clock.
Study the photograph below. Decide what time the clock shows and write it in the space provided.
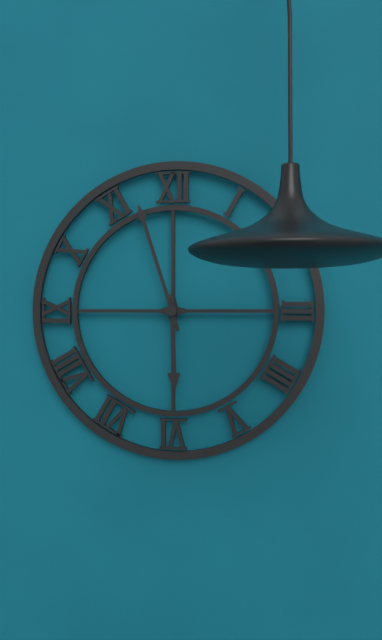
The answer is 5:57
